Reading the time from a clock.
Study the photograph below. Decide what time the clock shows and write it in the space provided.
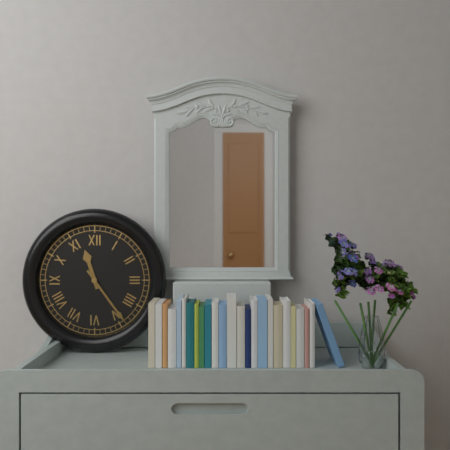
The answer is 11:24
